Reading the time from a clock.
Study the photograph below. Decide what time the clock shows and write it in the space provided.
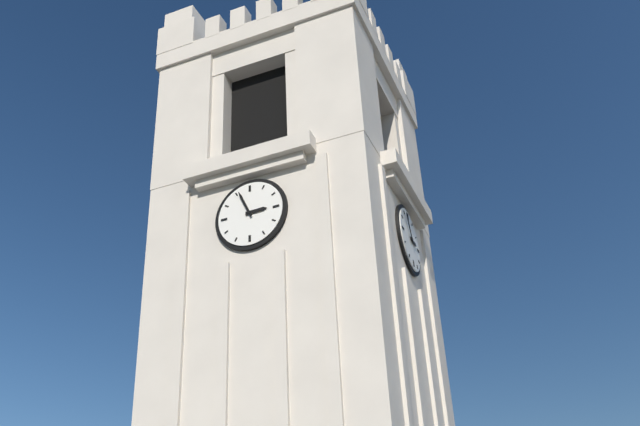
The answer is 2:56
